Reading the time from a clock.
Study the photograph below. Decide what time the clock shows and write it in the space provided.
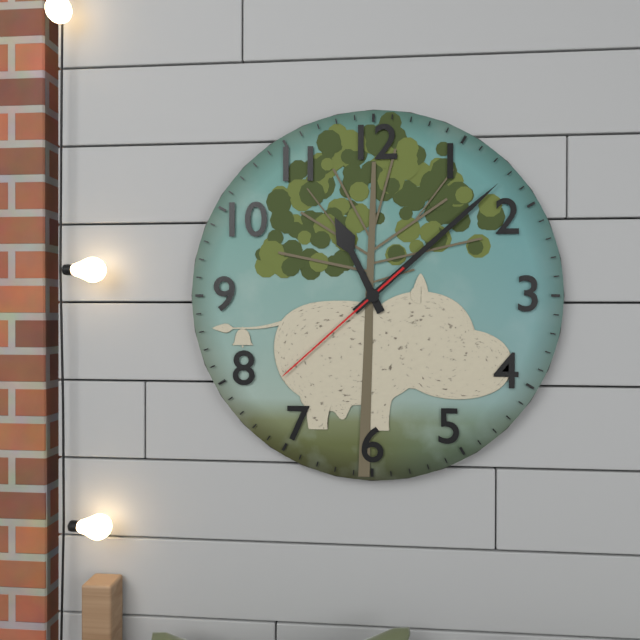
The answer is 11:08:38
